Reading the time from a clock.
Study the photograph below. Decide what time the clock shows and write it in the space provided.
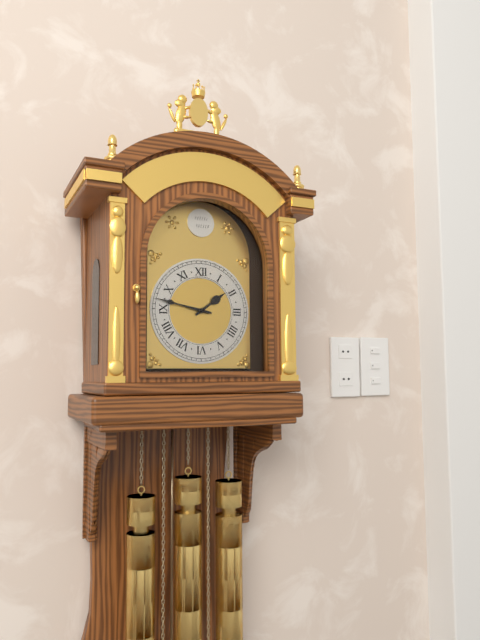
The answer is 1:47
